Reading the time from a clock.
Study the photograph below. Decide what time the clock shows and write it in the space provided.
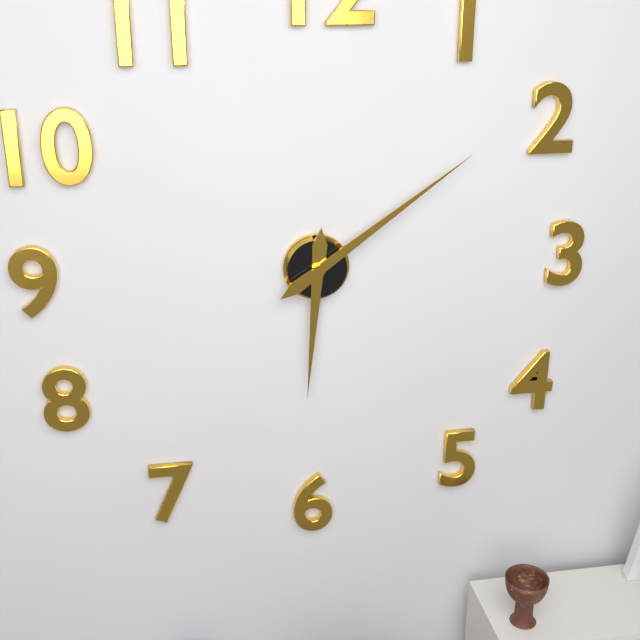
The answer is 6:09
